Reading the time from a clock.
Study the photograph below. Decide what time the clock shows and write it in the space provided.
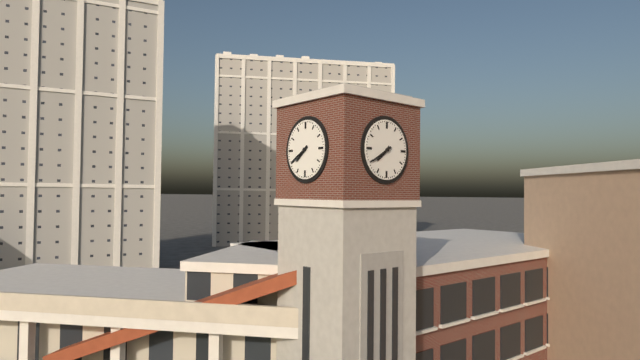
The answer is 7:40
